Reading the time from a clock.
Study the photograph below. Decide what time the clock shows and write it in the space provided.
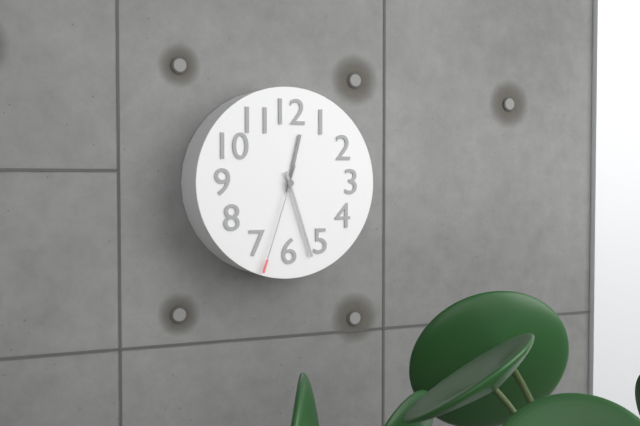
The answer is 12:27:33
